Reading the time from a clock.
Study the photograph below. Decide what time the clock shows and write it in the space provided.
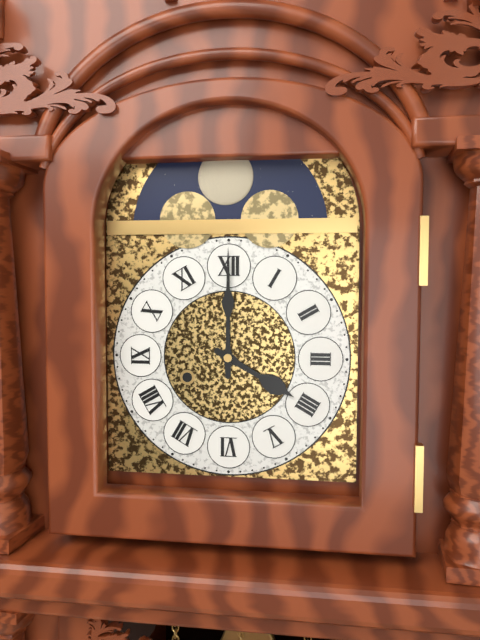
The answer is 4:00
